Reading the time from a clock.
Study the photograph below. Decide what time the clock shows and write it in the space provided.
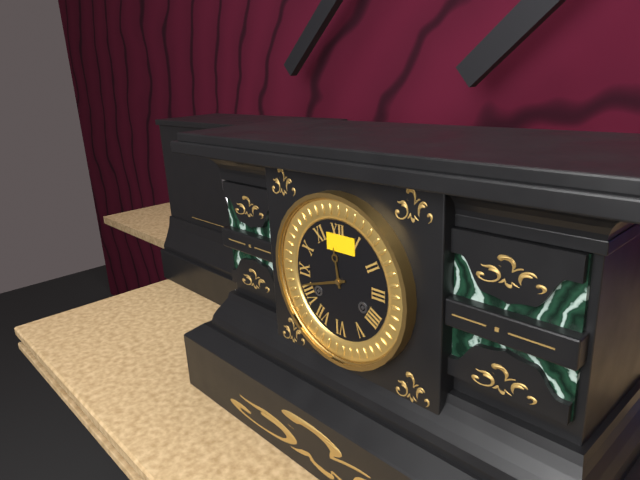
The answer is 11:42
